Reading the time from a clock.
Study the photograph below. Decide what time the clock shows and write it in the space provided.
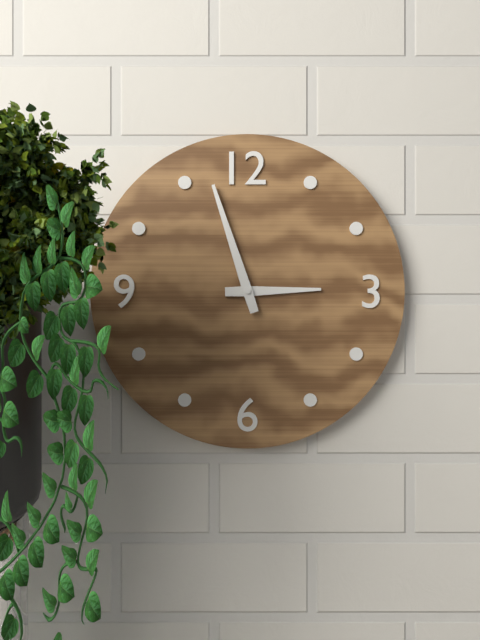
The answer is 2:57
